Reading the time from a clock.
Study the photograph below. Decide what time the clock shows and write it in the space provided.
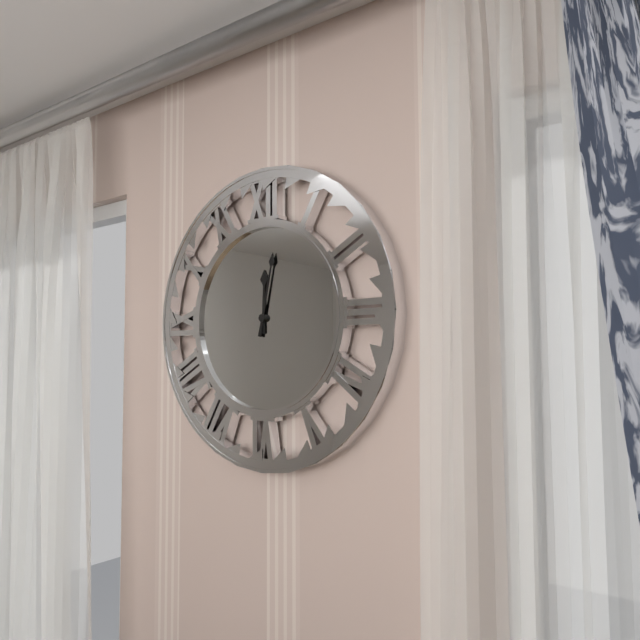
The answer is 12:02
